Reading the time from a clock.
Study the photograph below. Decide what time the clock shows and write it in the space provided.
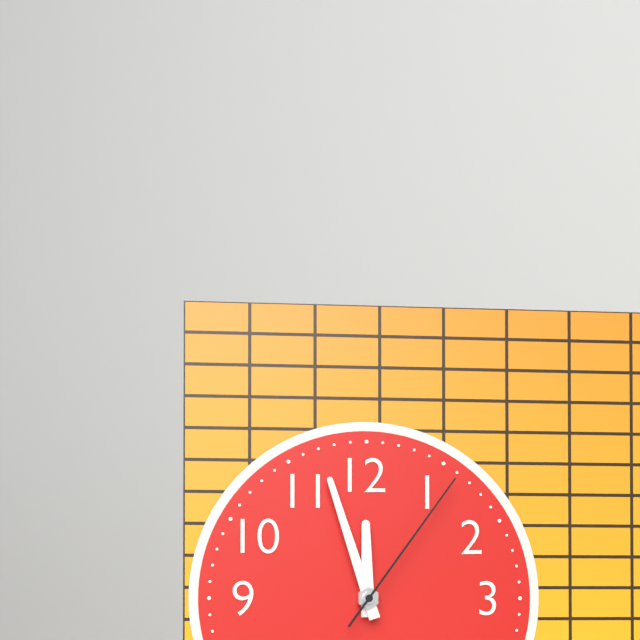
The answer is 11:57:06
